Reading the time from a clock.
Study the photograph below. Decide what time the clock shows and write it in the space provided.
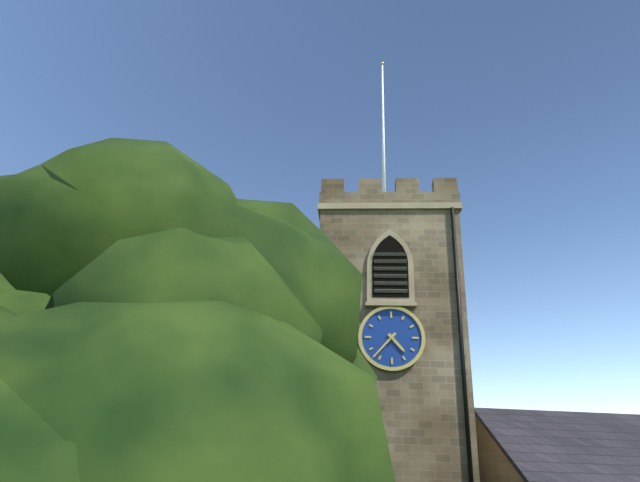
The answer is 4:37
